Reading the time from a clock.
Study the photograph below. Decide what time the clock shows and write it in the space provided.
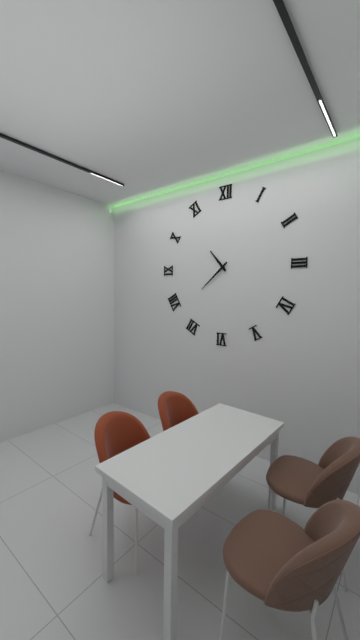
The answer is 10:38
